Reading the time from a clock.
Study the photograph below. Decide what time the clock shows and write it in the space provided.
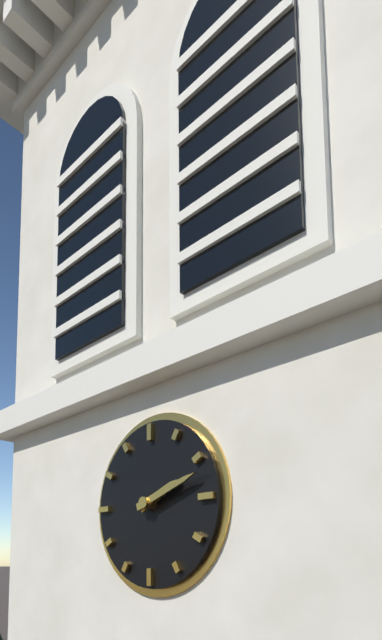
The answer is 2:12
